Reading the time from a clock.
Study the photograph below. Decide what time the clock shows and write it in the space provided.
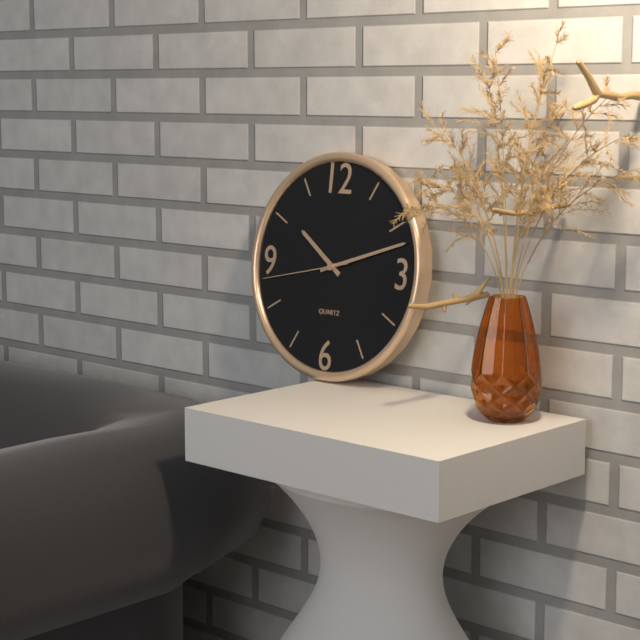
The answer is 10:12:43
